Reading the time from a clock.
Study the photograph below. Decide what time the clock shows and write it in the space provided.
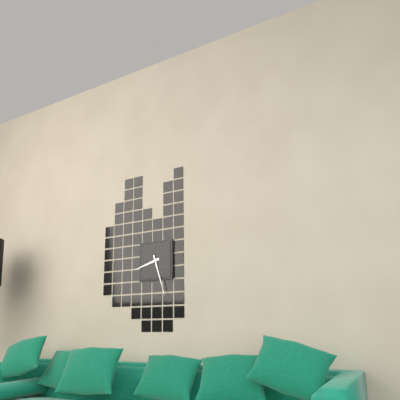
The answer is 8:27
